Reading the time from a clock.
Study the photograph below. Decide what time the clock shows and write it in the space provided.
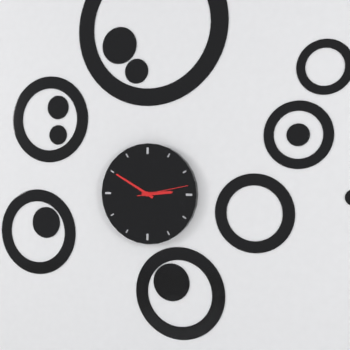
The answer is 2:50:13
